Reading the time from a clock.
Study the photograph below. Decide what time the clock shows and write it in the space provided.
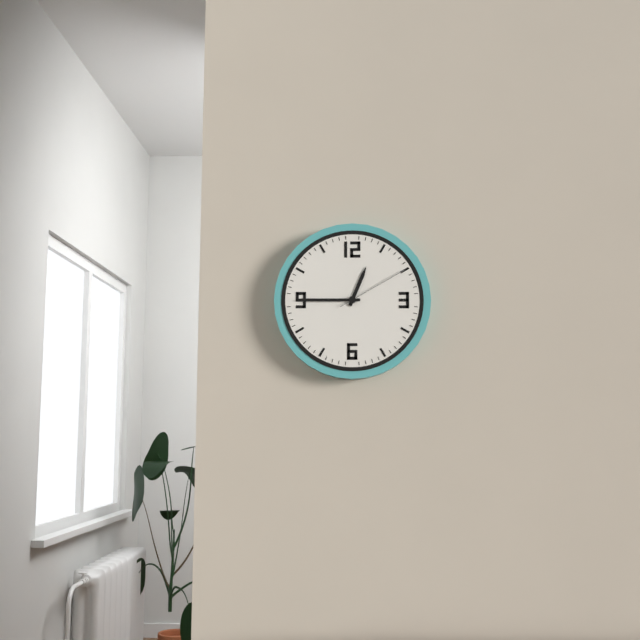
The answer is 12:45:10
